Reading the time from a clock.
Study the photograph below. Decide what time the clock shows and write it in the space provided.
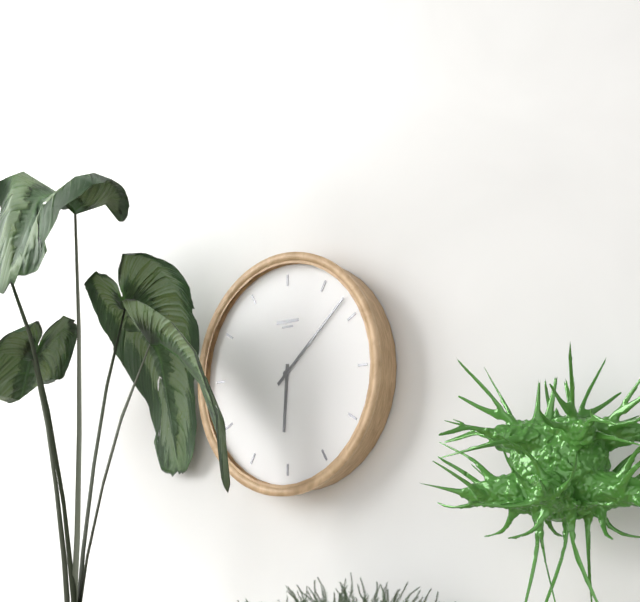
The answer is 6:08
